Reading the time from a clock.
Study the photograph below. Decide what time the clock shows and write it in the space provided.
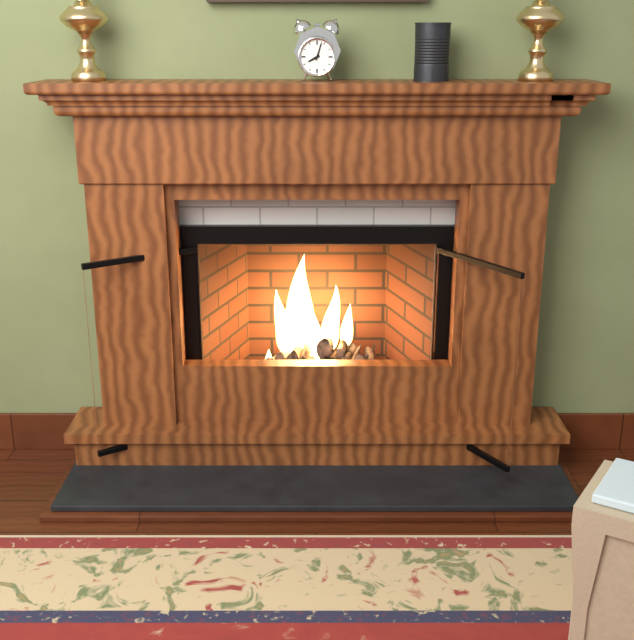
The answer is 8:03
